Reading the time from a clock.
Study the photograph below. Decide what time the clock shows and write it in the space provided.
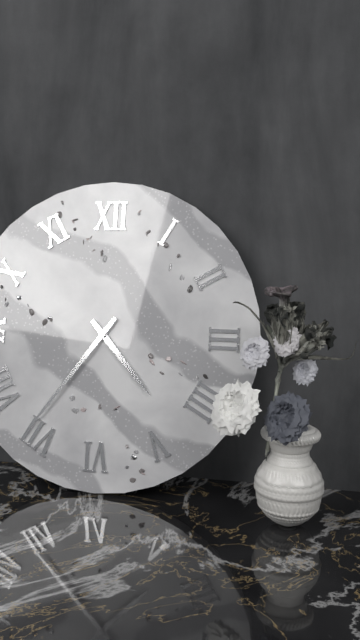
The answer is 4:36
